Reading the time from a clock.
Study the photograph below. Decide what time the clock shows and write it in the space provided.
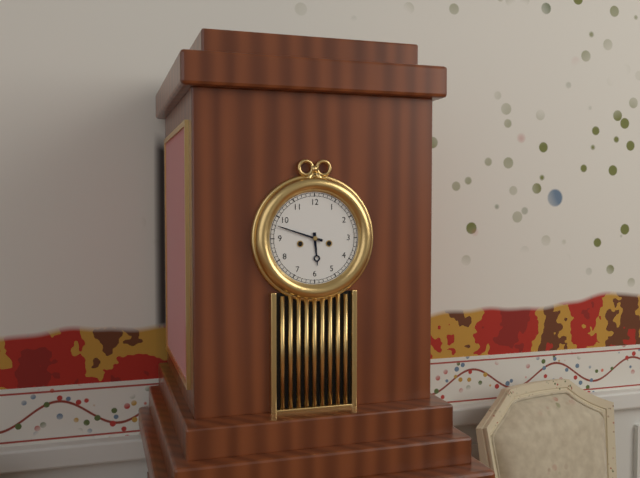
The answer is 5:48
